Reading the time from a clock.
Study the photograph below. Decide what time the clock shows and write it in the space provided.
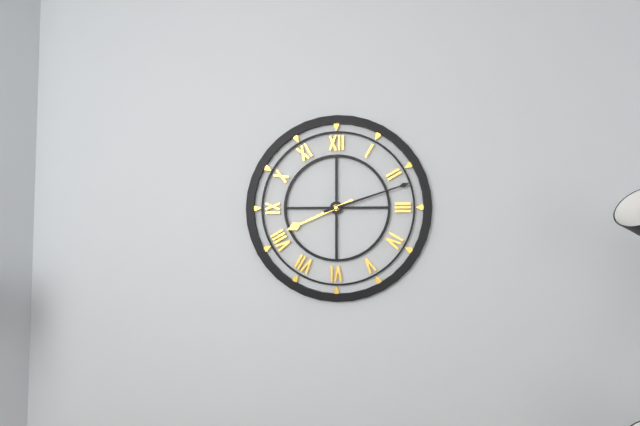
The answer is 8:12
